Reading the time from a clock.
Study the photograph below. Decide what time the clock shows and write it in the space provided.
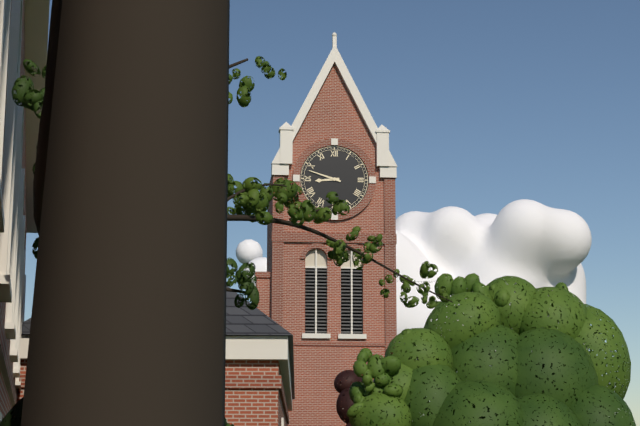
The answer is 8:48
